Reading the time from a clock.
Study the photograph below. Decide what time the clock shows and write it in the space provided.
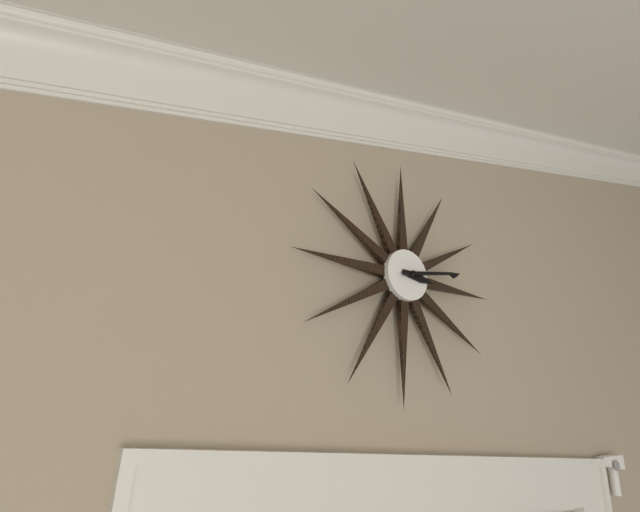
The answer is 3:13
